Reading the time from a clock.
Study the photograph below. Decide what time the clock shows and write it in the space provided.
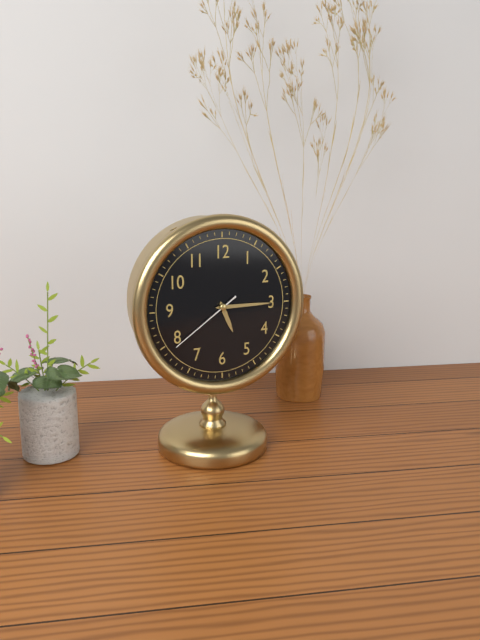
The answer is 5:15:39
